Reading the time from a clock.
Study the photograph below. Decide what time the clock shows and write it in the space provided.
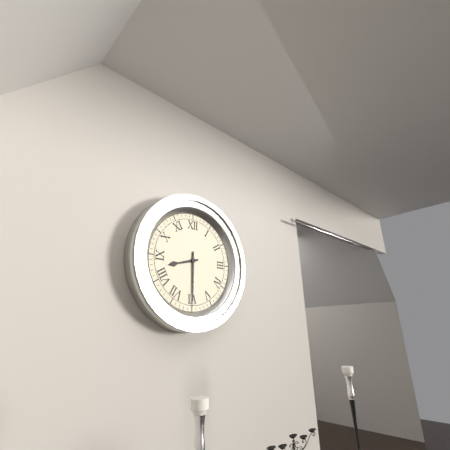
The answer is 8:30
